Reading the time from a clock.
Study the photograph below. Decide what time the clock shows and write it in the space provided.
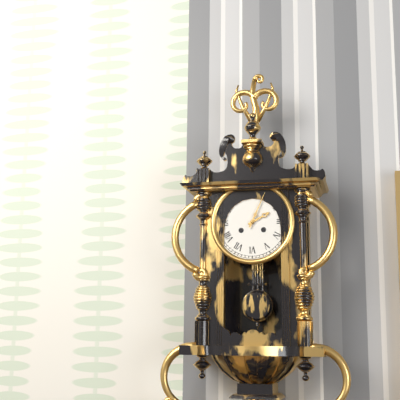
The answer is 2:04
